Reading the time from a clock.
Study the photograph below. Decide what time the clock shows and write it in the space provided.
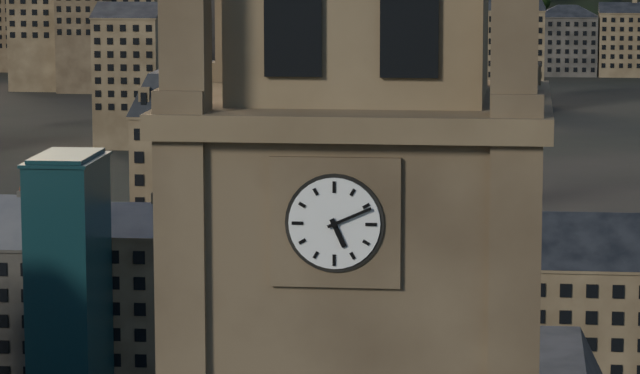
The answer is 5:11
